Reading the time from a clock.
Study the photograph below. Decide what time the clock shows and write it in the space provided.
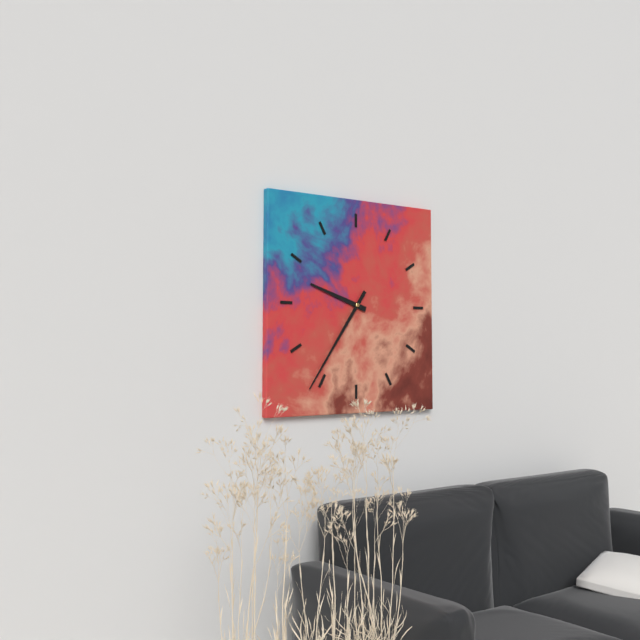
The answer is 9:36
